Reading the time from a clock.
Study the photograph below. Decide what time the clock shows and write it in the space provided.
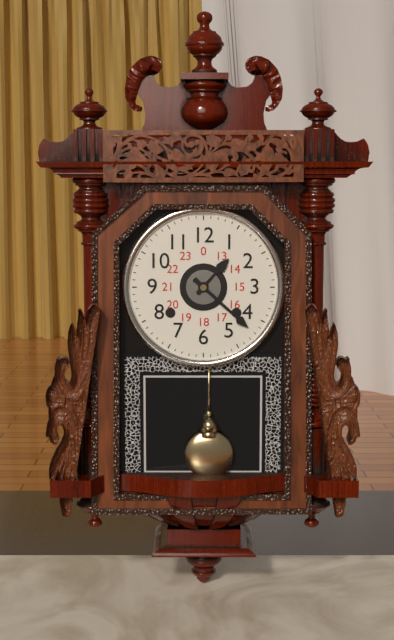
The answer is 1:22
